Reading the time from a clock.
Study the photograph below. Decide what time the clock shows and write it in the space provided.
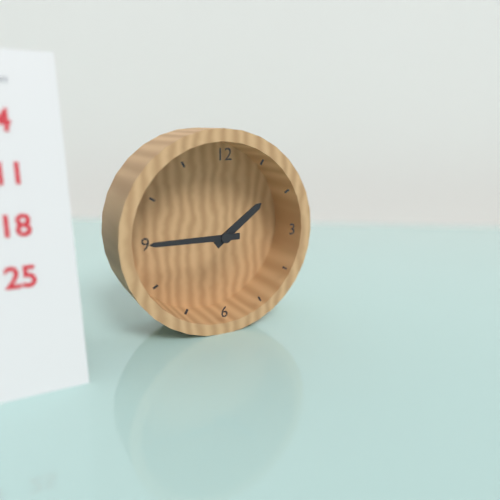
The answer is 1:45
